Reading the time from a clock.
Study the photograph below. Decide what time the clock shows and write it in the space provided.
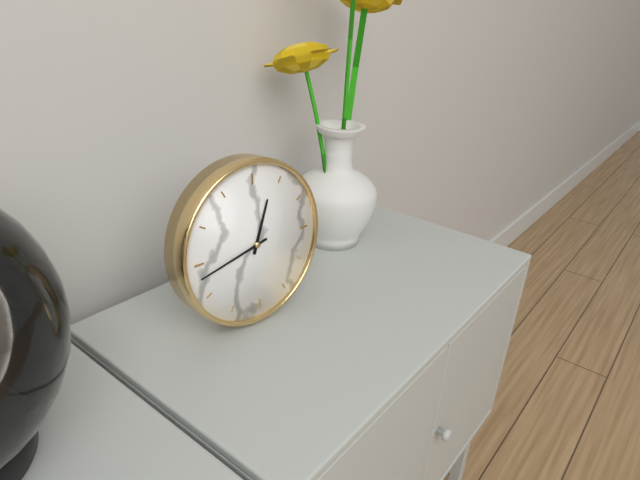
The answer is 12:43
